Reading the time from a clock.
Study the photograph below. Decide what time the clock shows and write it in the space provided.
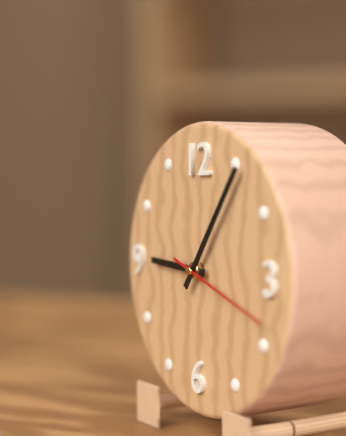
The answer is 9:06:18
